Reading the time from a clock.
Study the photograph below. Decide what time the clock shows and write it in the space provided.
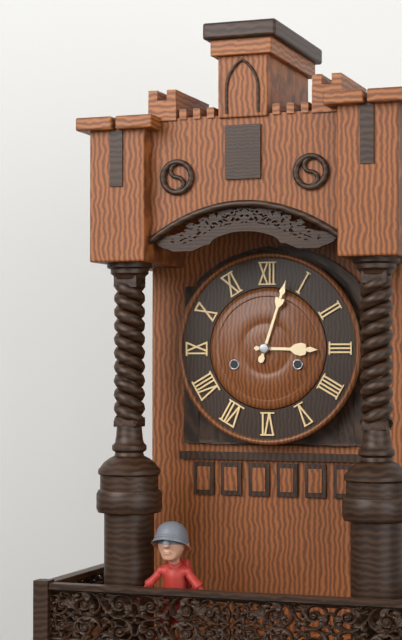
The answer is 3:03
